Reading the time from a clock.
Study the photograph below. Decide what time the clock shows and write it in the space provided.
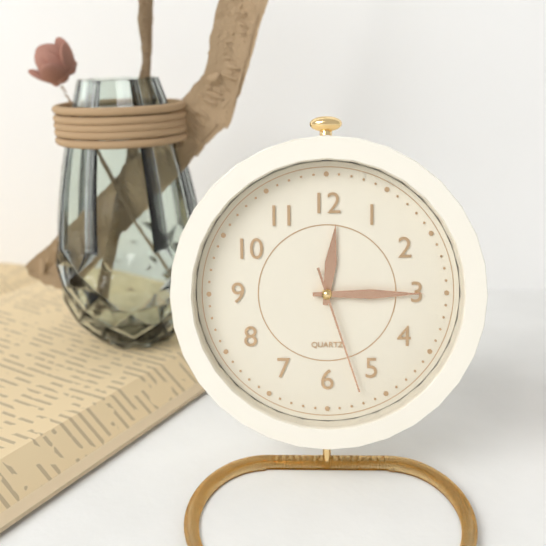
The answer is 12:15:27
